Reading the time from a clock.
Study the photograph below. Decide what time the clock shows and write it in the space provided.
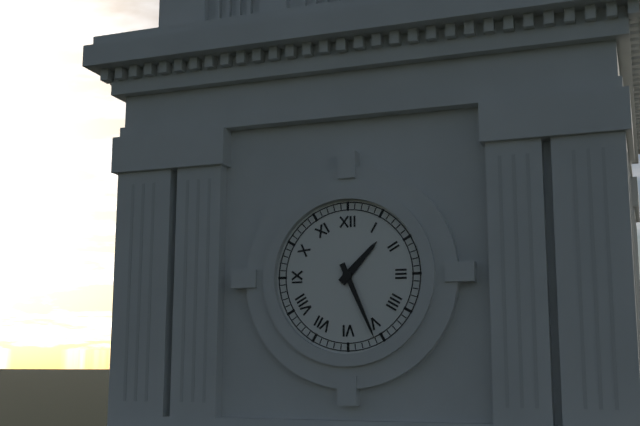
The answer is 1:26
